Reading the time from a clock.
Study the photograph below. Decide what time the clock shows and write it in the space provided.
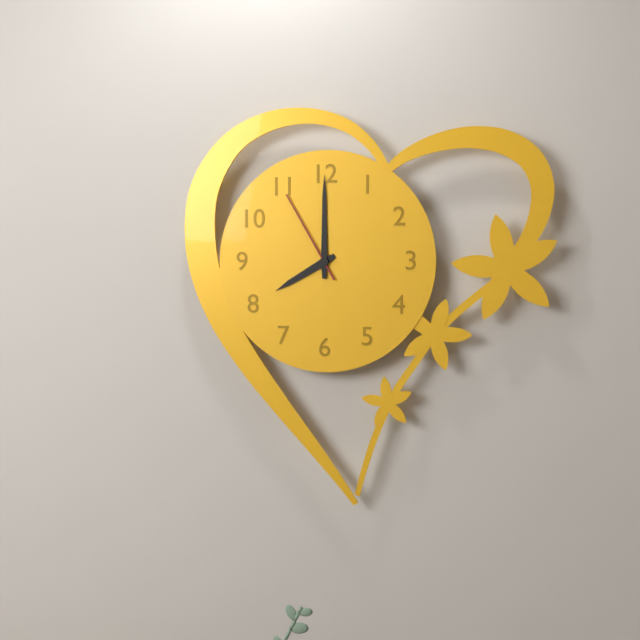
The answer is 8:00:55
